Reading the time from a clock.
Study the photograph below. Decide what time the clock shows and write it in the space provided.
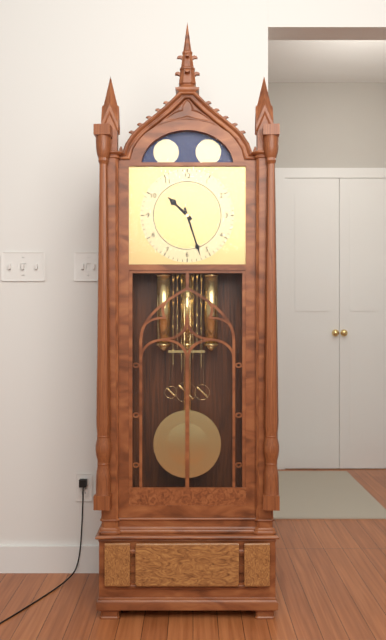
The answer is 10:27
